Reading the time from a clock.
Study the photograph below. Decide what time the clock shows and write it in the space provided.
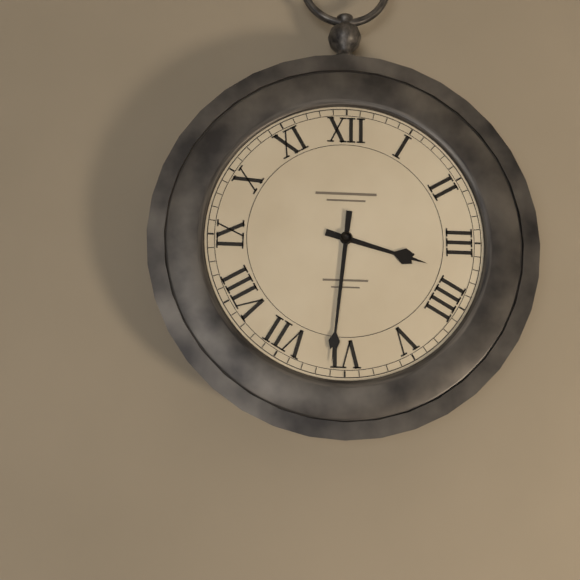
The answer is 3:31
